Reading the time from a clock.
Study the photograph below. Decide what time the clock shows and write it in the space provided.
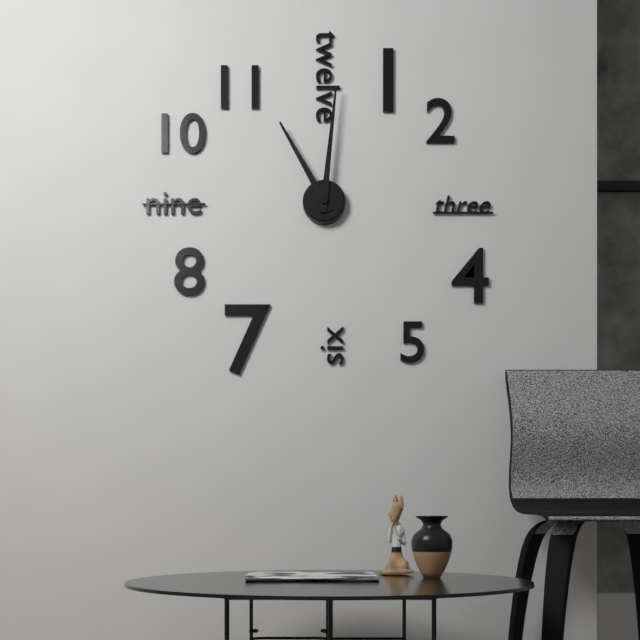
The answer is 11:01
